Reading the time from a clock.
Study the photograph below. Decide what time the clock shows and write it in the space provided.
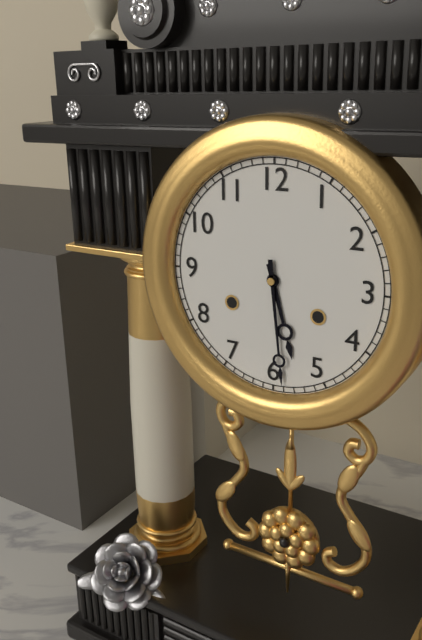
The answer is 5:29
